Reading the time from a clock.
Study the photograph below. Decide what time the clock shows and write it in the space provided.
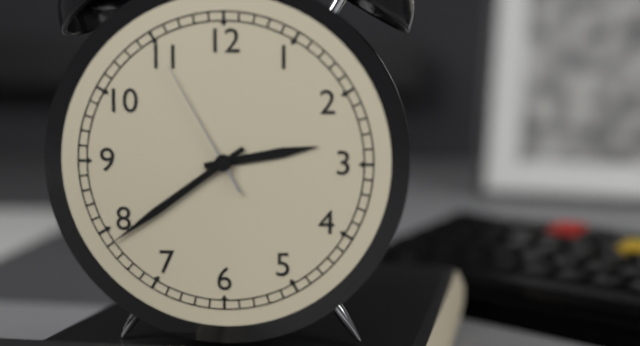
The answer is 2:39:55
